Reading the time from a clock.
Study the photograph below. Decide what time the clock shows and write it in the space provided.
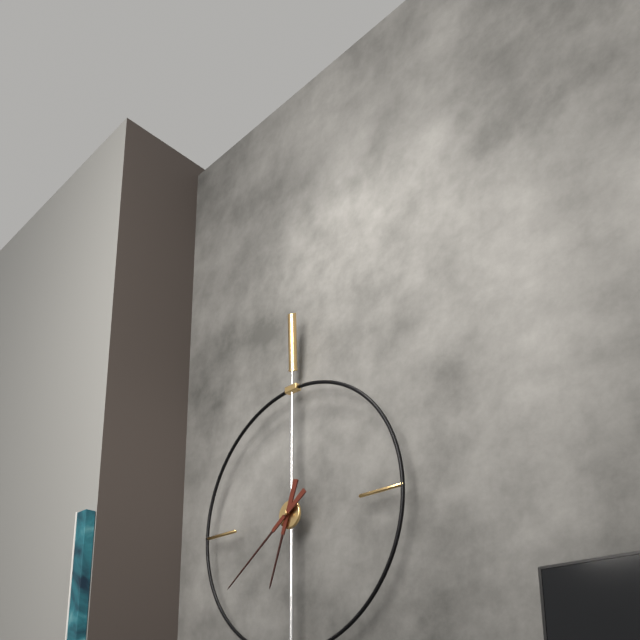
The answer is 6:39
